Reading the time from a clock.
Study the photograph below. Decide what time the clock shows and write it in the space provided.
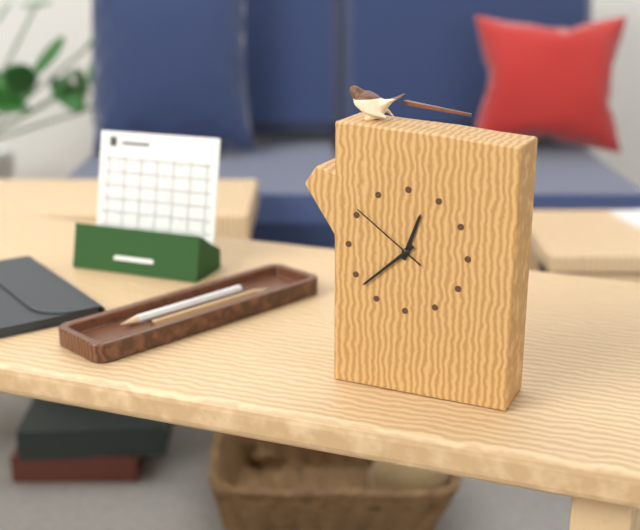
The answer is 12:38:51
